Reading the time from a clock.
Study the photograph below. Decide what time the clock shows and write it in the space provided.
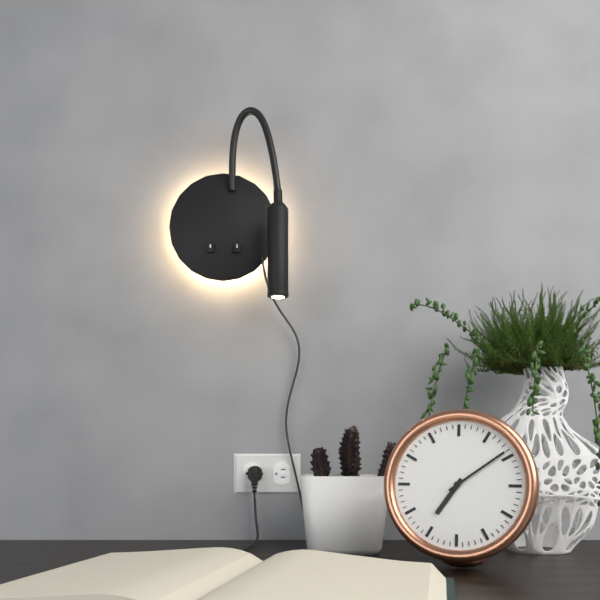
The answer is 7:09
